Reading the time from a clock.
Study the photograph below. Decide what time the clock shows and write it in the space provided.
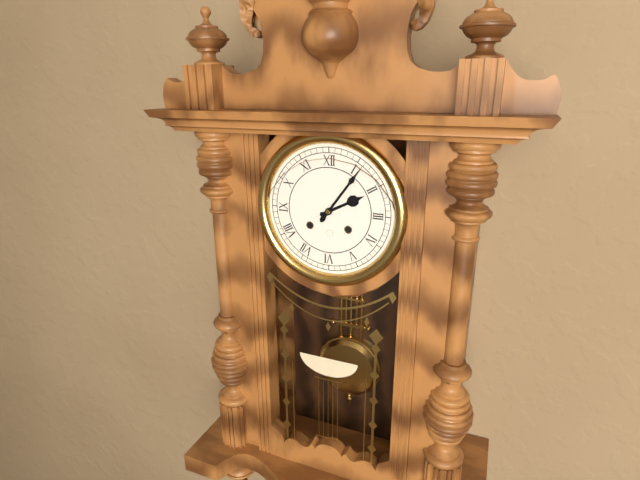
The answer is 2:06
